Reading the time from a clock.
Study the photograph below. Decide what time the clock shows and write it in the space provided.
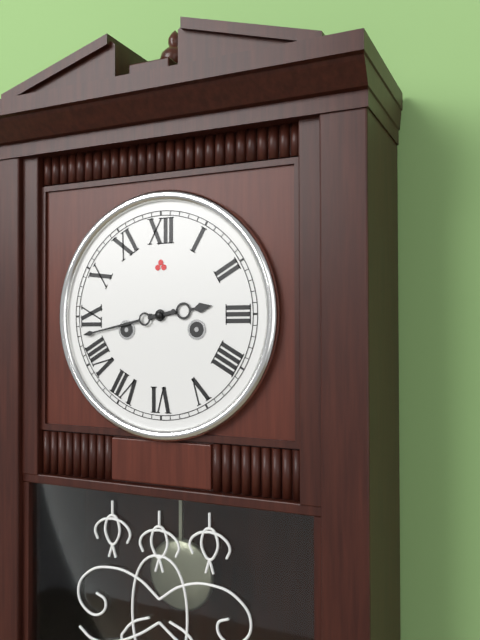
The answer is 2:43
